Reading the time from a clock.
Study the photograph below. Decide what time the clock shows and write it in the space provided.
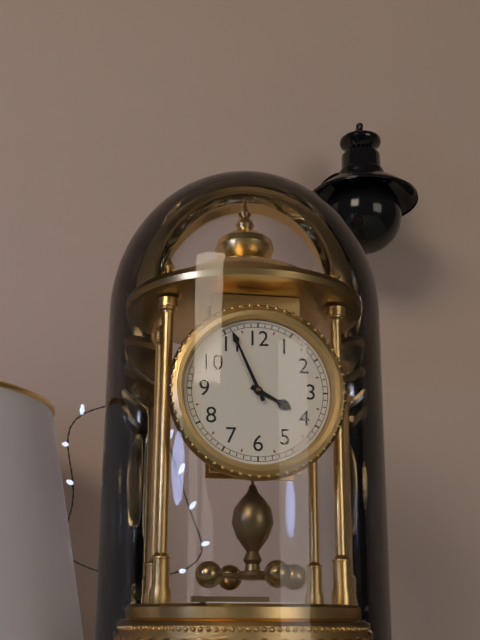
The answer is 3:56
